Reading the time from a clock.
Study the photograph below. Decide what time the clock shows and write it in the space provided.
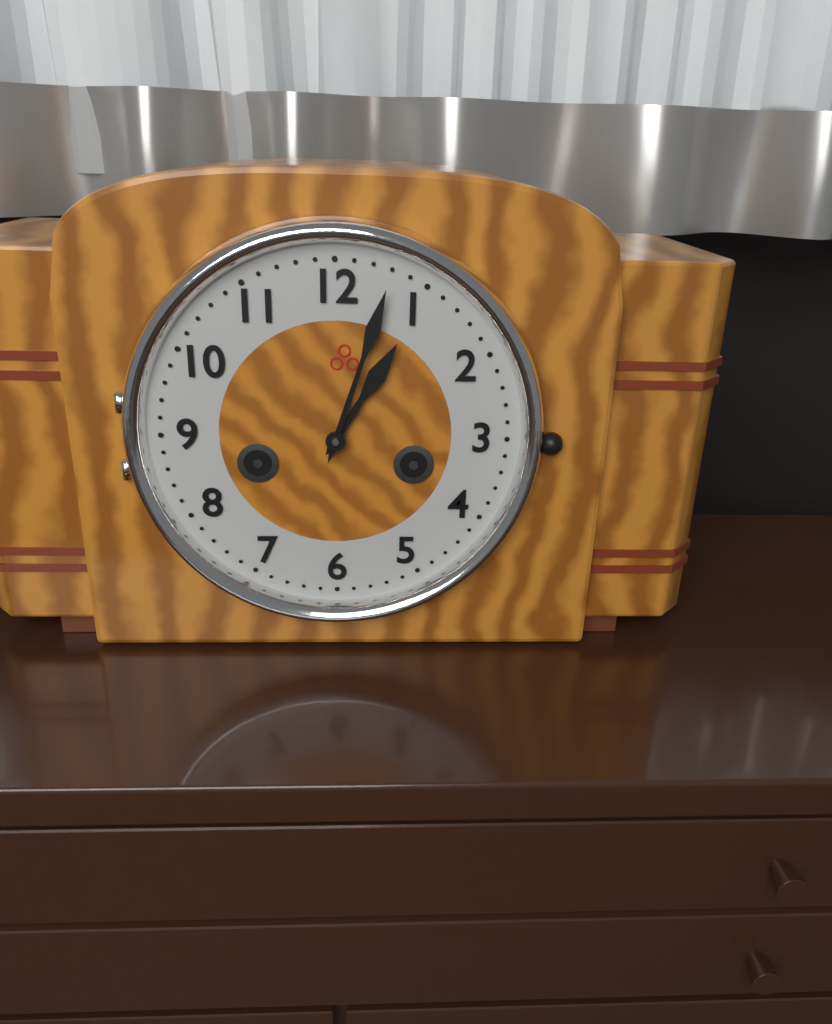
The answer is 1:03
